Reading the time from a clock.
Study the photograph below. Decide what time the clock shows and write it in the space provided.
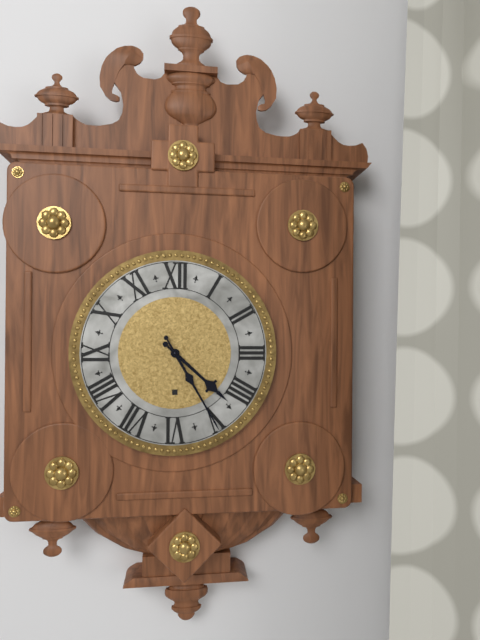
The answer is 4:25
